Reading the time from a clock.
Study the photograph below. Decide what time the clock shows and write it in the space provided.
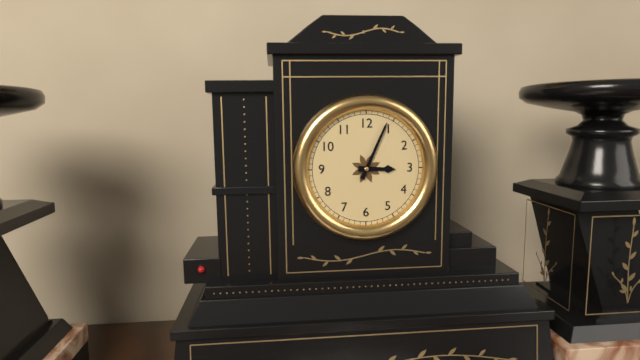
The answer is 3:04
